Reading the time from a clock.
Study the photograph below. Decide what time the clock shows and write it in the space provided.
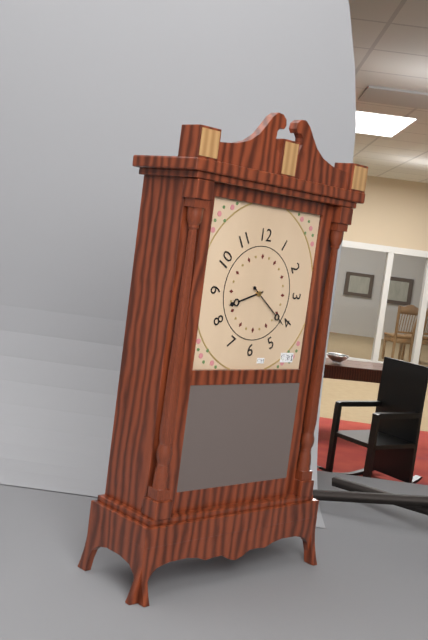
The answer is 8:21
